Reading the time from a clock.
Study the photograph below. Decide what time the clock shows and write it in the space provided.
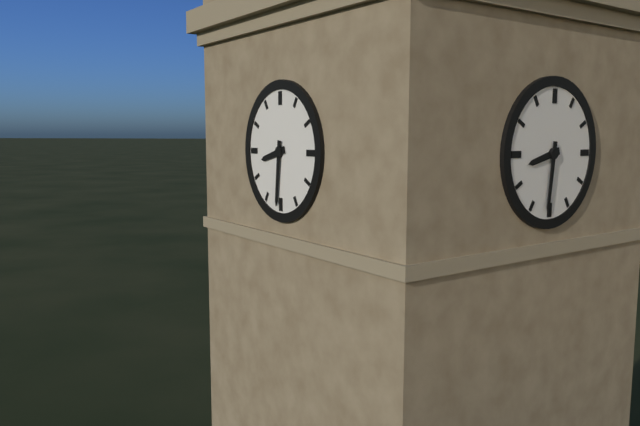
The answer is 8:31
